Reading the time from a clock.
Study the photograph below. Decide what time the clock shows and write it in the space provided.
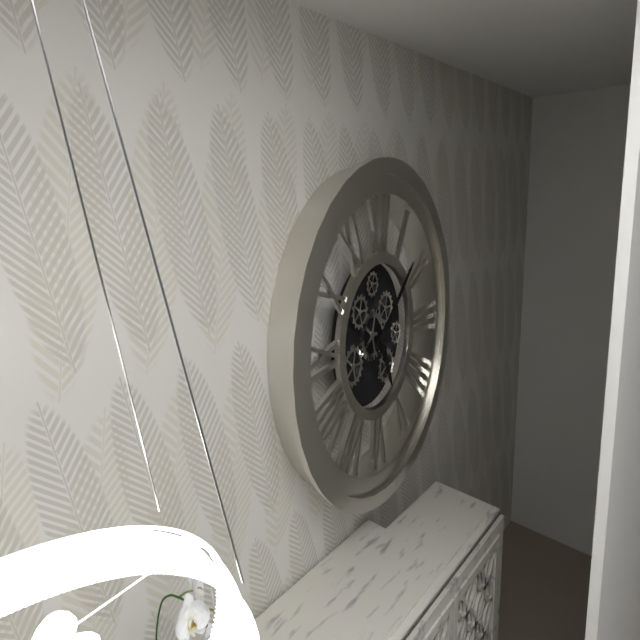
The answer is 5:08
